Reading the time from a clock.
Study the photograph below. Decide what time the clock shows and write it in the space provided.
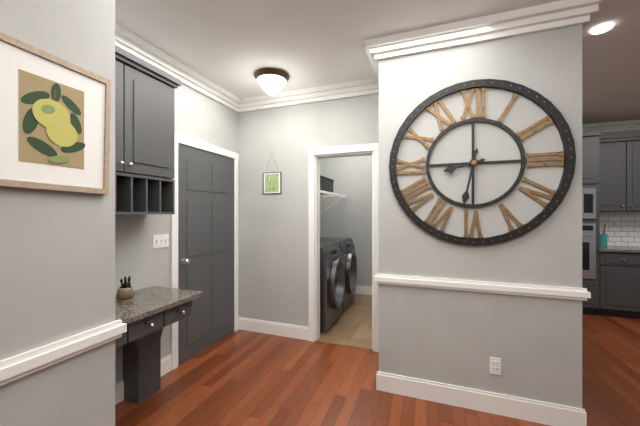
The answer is 8:32
